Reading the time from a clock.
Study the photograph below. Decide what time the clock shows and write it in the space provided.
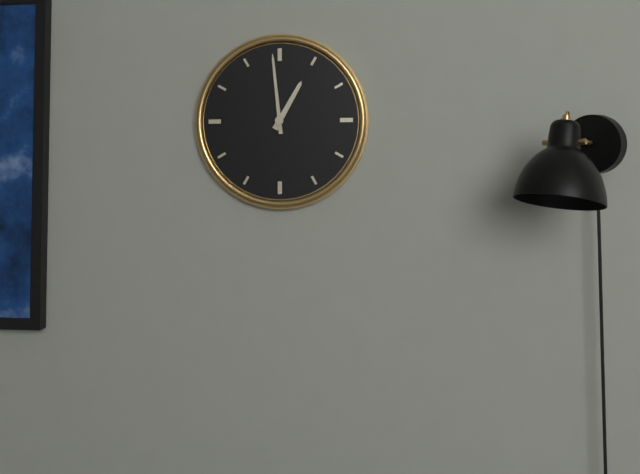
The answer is 12:59
